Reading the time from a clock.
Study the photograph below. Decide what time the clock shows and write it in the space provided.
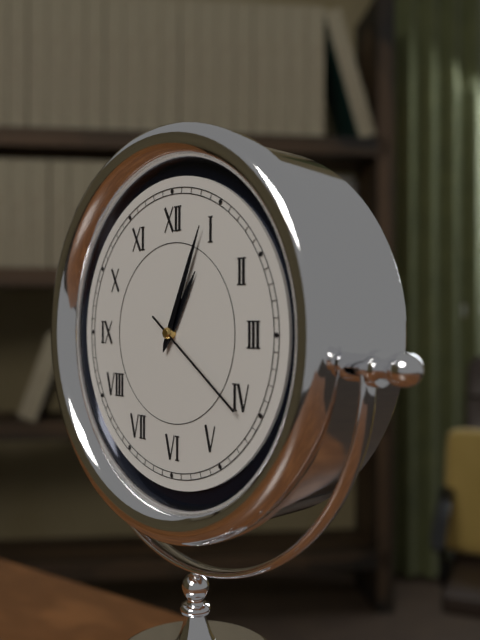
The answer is 1:04:21
